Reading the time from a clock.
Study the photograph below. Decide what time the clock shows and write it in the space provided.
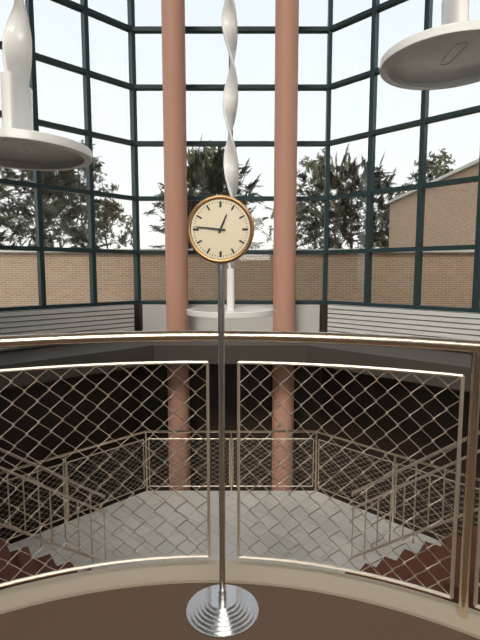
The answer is 12:46
